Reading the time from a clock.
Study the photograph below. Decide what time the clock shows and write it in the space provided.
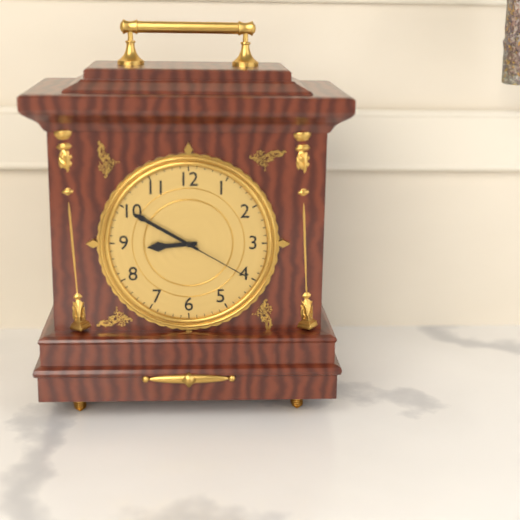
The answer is 8:50:20
